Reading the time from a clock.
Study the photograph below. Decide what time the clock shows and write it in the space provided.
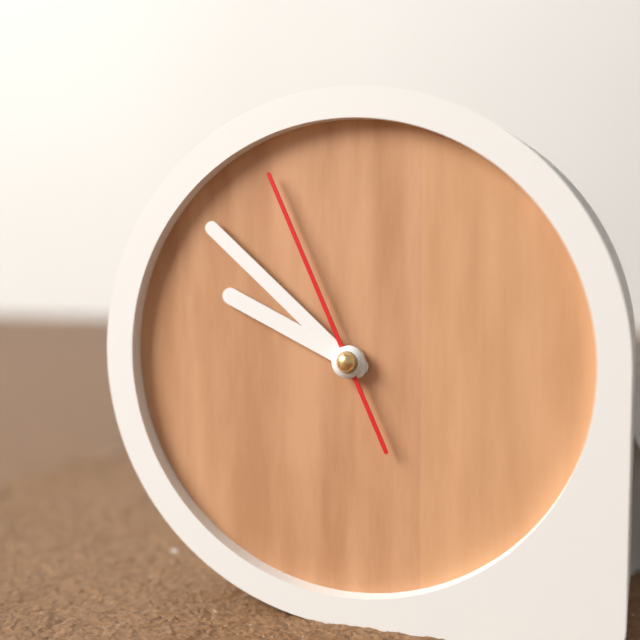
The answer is 9:52:56
